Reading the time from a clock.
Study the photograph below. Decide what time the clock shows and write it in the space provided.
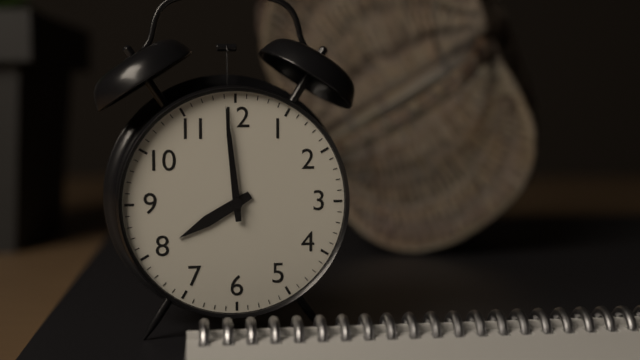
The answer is 7:59
